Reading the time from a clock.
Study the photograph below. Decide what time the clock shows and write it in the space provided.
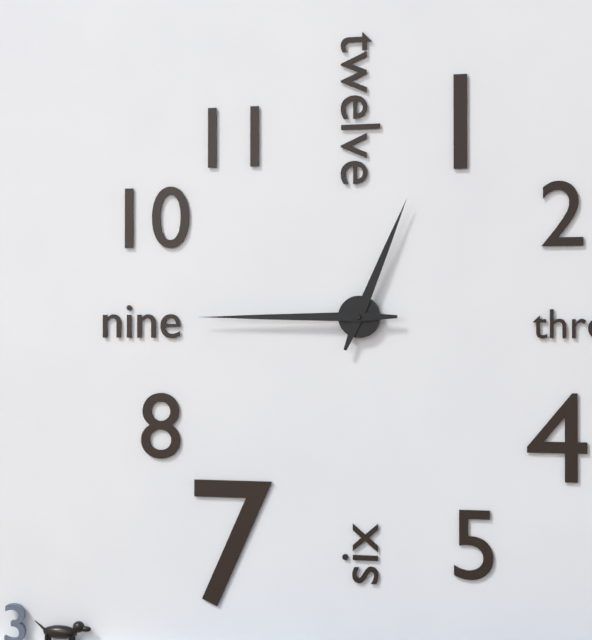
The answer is 12:45
